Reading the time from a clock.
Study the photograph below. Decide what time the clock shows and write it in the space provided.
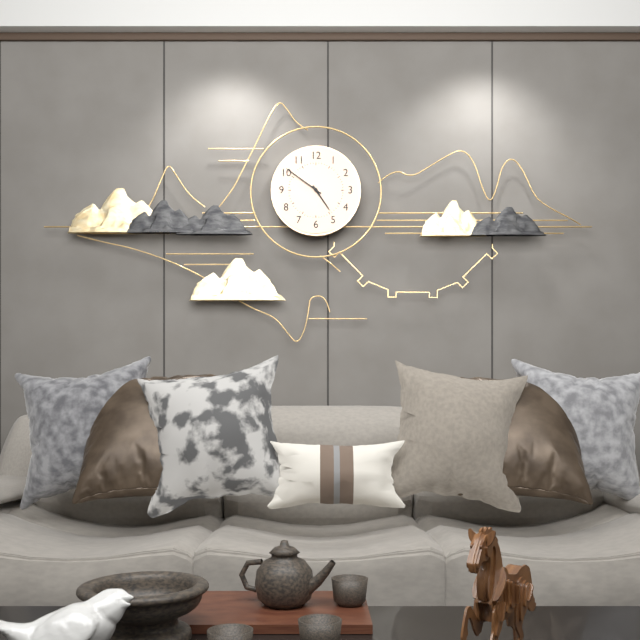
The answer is 4:51
